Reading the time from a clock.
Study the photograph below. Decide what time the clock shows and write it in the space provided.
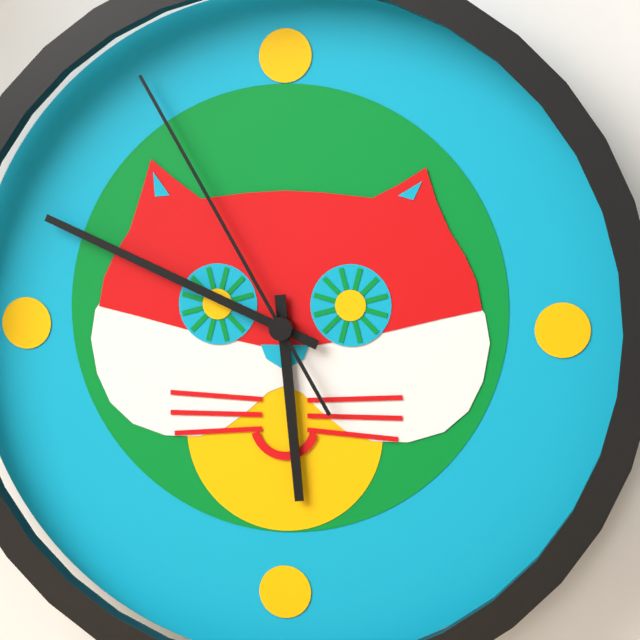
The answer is 5:49:55
